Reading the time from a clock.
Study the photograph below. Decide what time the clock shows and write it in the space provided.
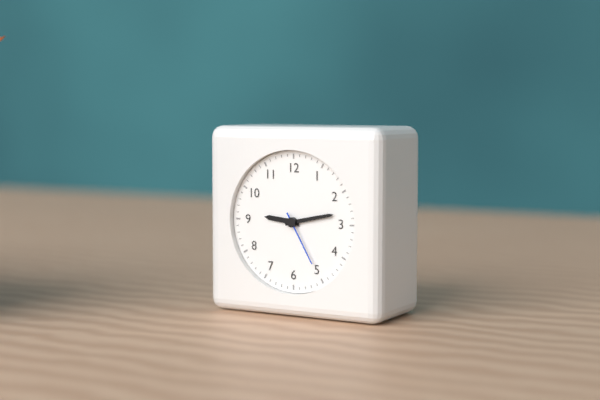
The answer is 9:13:25
